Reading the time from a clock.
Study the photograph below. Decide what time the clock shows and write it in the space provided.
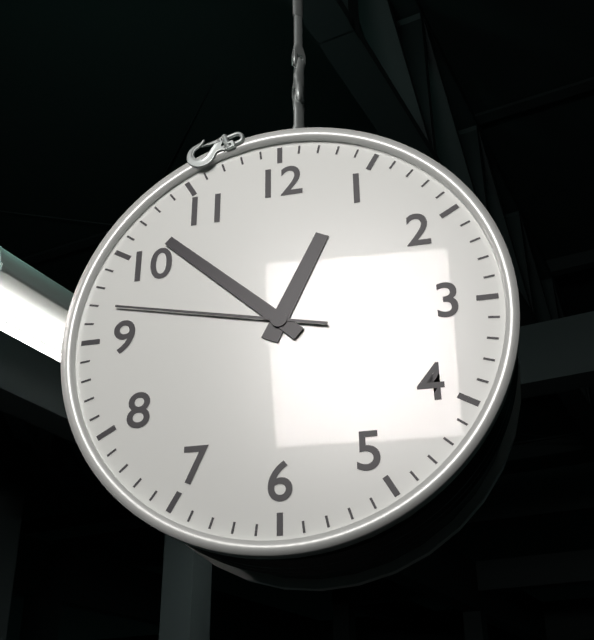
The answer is 12:52:47
